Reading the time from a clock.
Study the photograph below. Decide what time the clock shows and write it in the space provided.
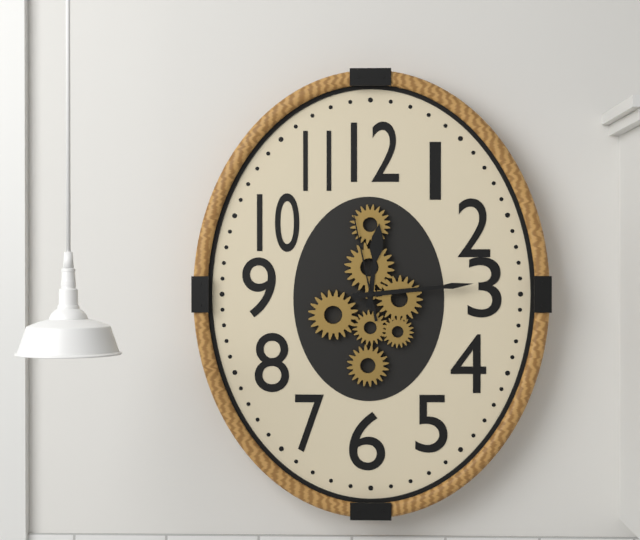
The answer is 12:14:58
